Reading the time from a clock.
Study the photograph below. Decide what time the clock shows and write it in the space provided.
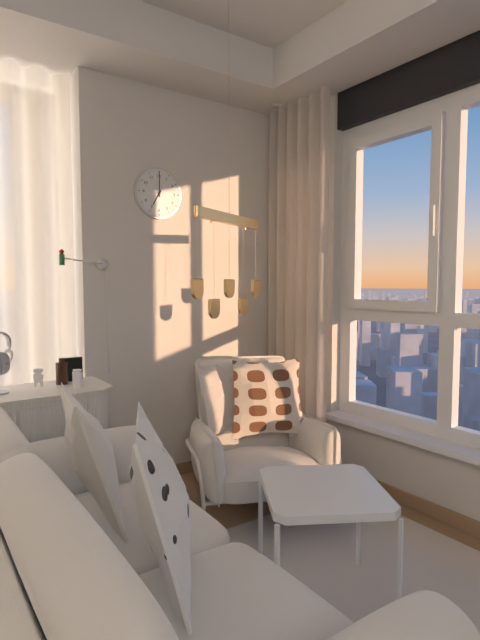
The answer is 7:00
